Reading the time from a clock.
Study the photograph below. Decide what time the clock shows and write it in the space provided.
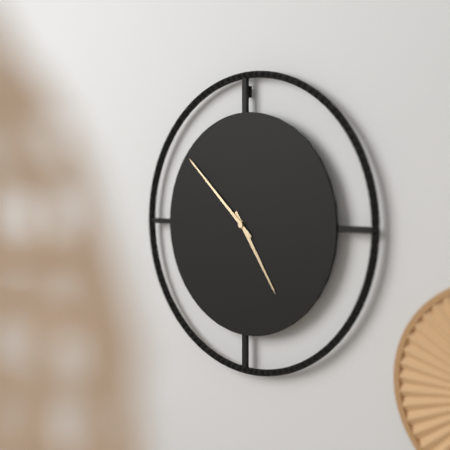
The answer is 4:52
